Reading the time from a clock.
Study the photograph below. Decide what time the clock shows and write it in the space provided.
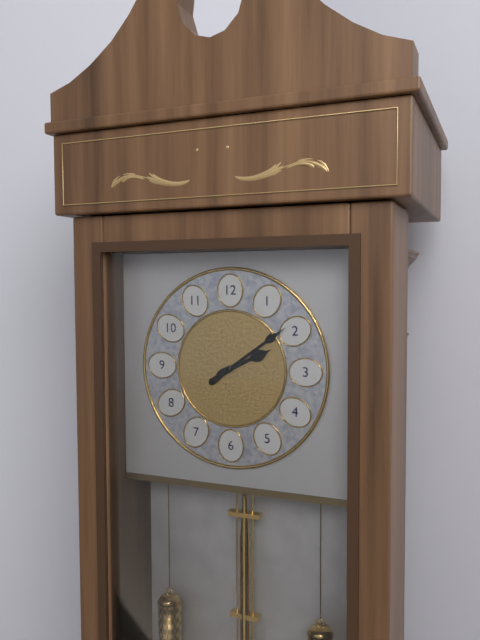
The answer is 2:09
